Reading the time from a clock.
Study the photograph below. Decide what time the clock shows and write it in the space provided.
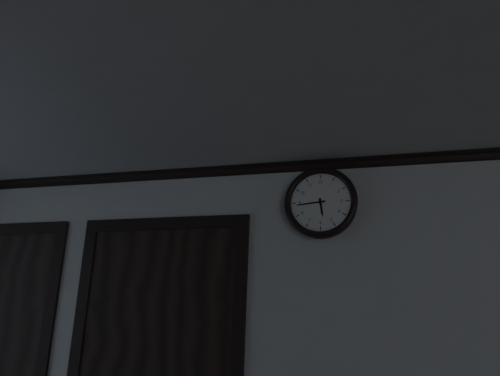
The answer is 5:44
